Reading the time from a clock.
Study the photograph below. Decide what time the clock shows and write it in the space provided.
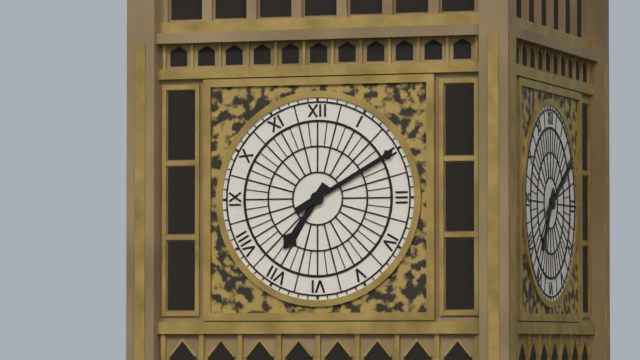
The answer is 7:10
